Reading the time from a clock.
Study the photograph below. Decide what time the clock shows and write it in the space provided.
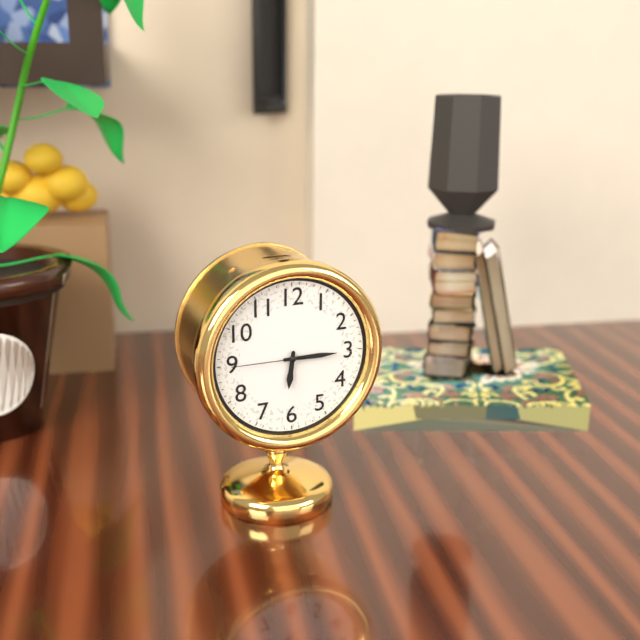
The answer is 6:15:45
